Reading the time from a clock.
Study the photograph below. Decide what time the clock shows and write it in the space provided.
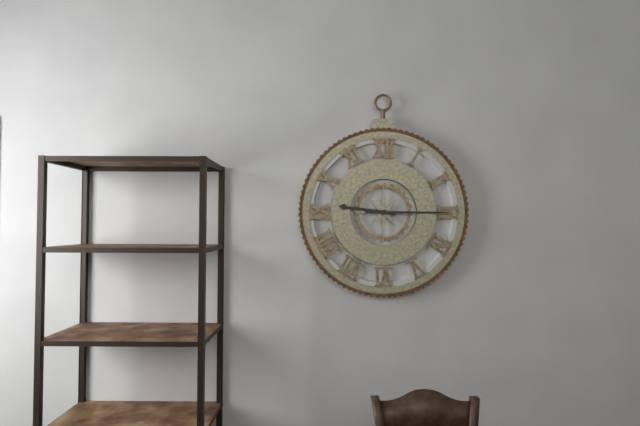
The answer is 9:15
